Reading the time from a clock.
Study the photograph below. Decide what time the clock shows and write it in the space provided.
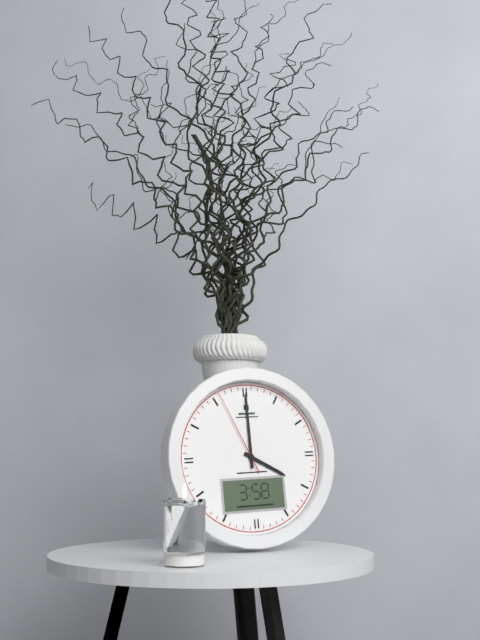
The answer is 4:00:56
